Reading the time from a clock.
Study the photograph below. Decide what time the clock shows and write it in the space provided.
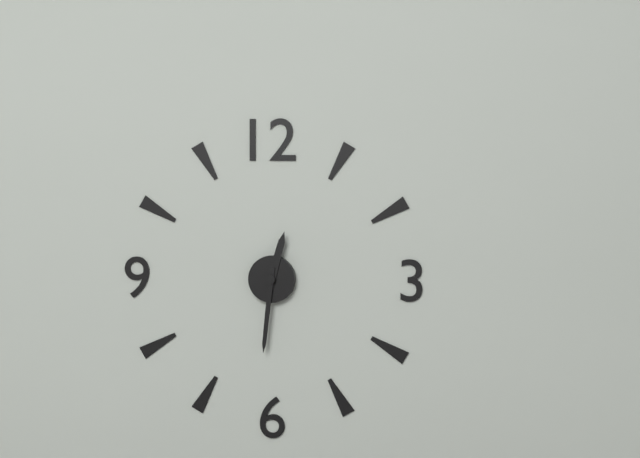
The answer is 12:31
